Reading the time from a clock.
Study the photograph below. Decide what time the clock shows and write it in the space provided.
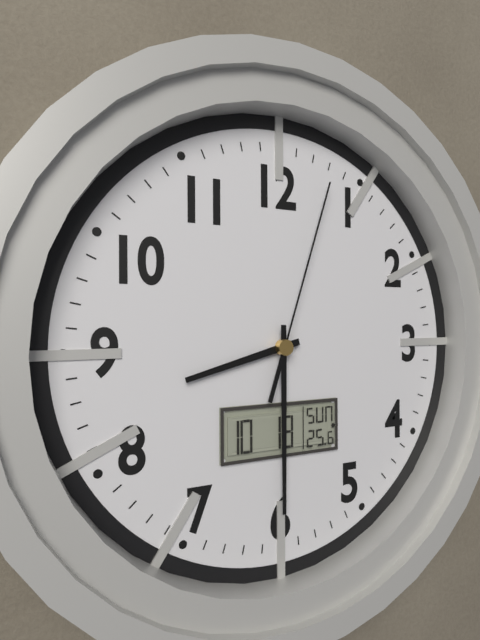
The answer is 8:30:03
